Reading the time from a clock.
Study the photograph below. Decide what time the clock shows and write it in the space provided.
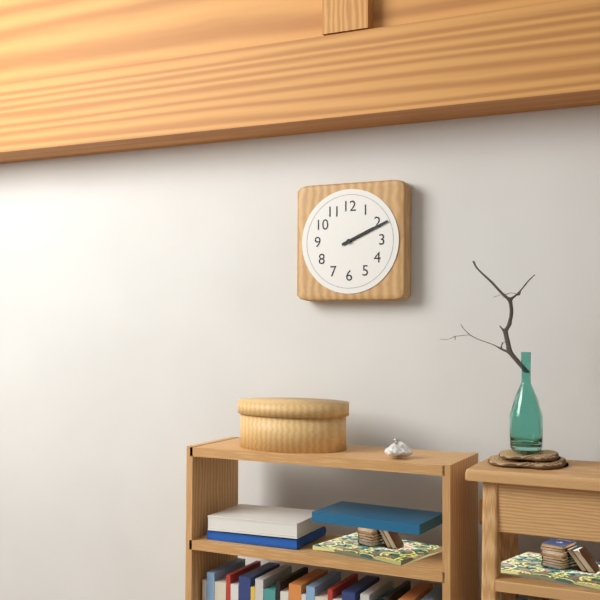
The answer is 2:11
